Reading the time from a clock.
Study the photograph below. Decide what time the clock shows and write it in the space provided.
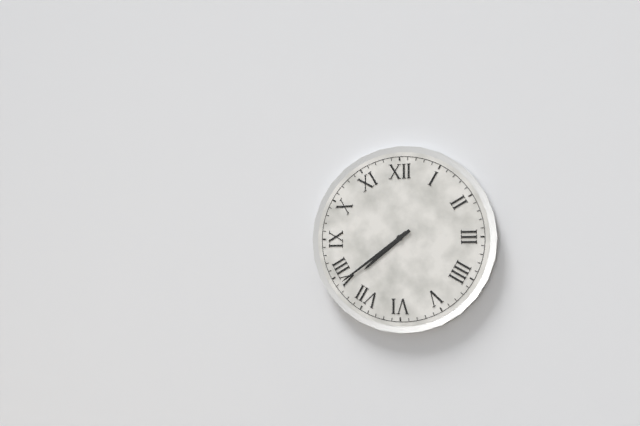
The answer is 7:39
